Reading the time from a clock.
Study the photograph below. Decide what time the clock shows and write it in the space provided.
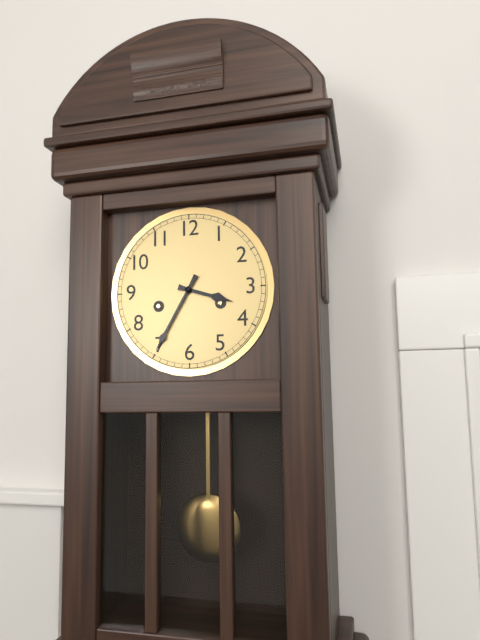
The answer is 3:35
